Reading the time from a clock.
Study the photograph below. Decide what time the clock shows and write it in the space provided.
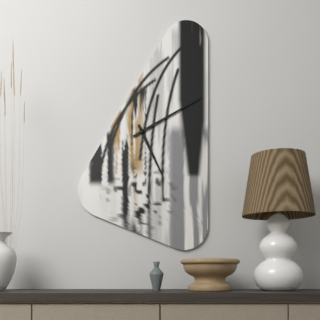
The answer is 5:10
